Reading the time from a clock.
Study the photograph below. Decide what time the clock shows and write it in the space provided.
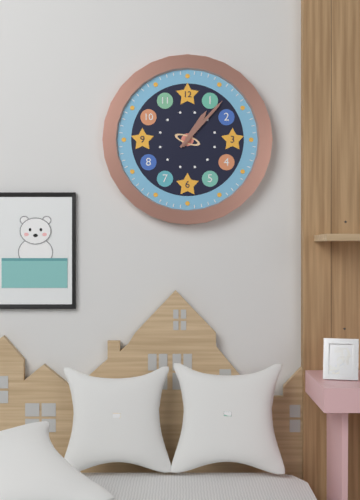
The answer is 1:07
